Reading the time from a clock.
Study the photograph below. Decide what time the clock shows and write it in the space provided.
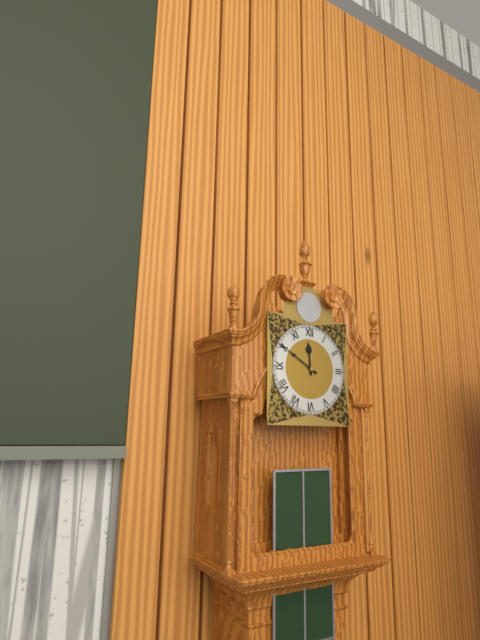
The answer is 11:50
